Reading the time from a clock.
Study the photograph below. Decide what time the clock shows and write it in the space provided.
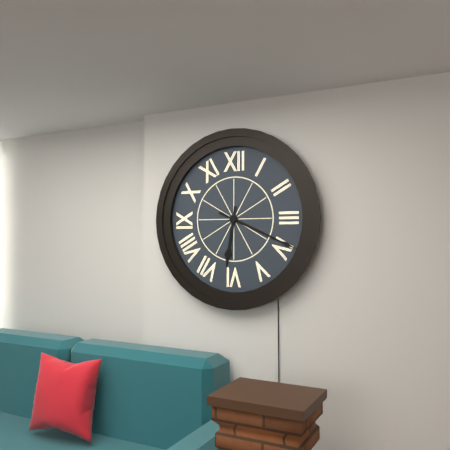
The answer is 6:19
